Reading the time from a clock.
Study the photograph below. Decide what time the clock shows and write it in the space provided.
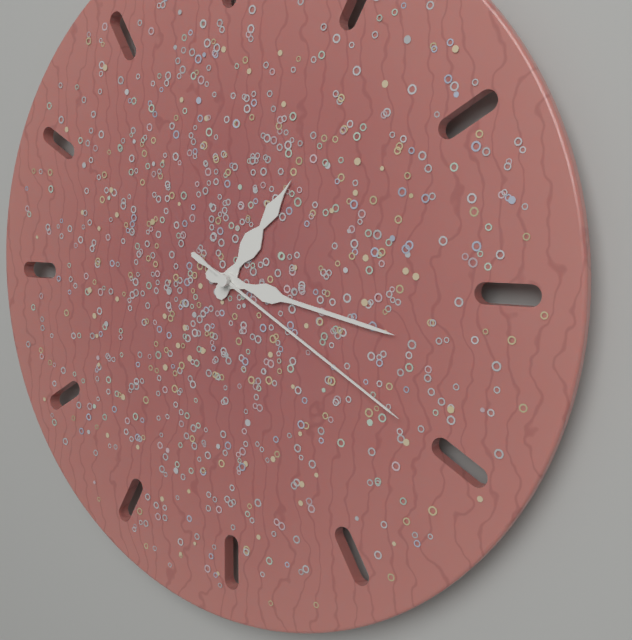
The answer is 1:17:20
